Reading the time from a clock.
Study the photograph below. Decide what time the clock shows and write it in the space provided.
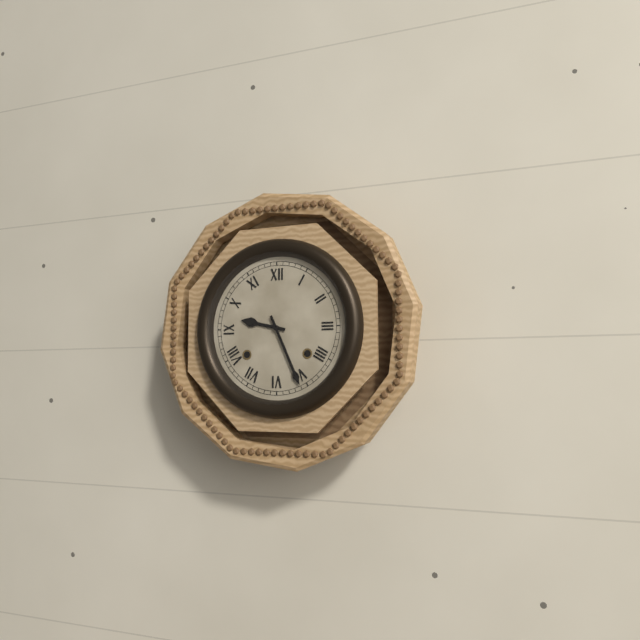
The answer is 9:26
